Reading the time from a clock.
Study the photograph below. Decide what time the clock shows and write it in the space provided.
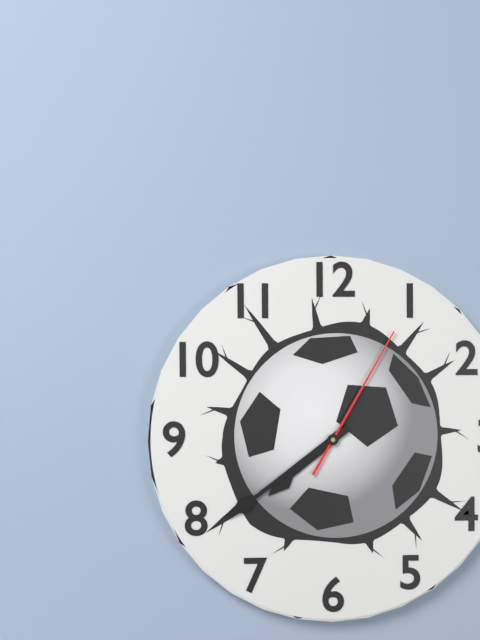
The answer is 7:39:05
